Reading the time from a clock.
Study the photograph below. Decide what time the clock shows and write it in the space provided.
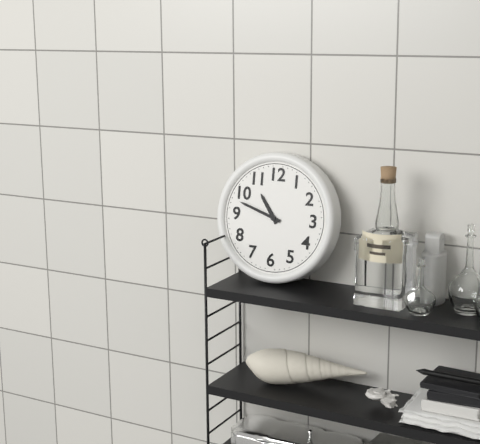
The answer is 10:48
